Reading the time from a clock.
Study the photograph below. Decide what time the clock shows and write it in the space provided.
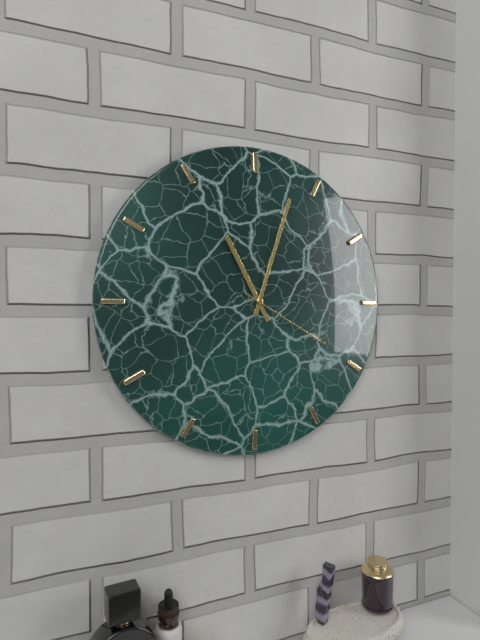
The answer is 11:03:20
